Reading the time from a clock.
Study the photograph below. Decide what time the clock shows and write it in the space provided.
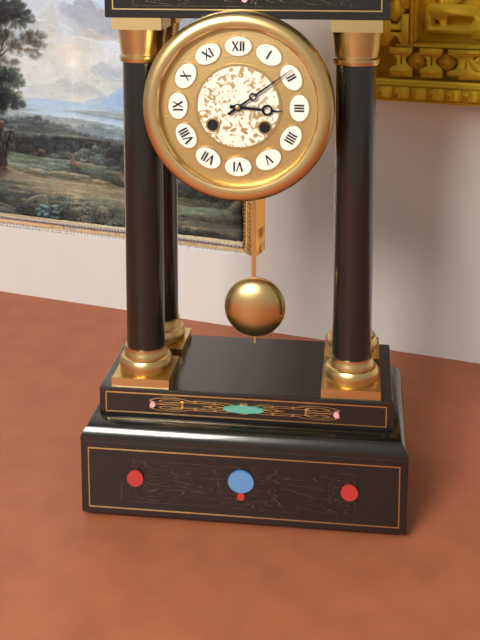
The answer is 3:09
